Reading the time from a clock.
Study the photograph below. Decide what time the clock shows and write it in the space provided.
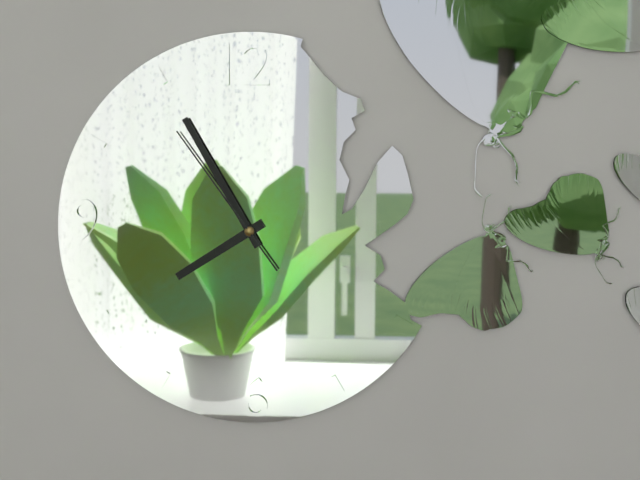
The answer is 7:55:54
